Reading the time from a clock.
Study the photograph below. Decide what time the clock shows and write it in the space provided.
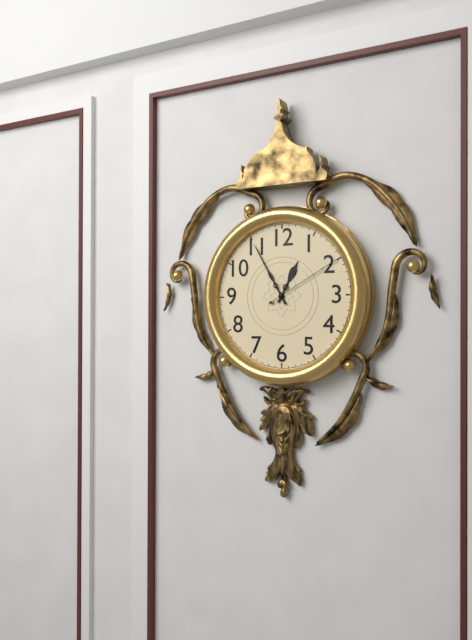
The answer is 12:55:10
